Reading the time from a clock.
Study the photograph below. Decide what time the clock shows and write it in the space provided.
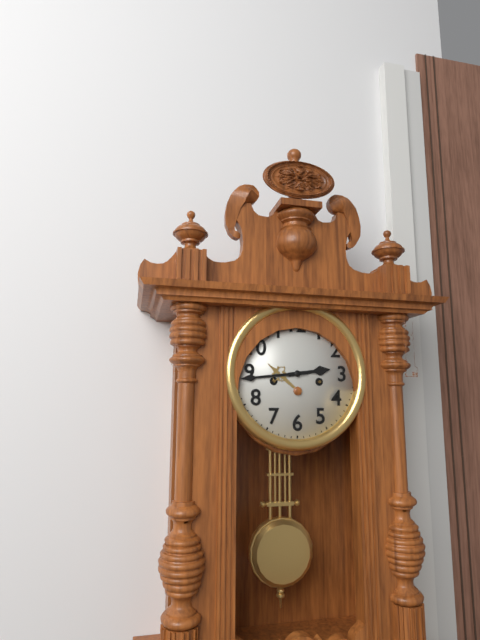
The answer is 2:44
